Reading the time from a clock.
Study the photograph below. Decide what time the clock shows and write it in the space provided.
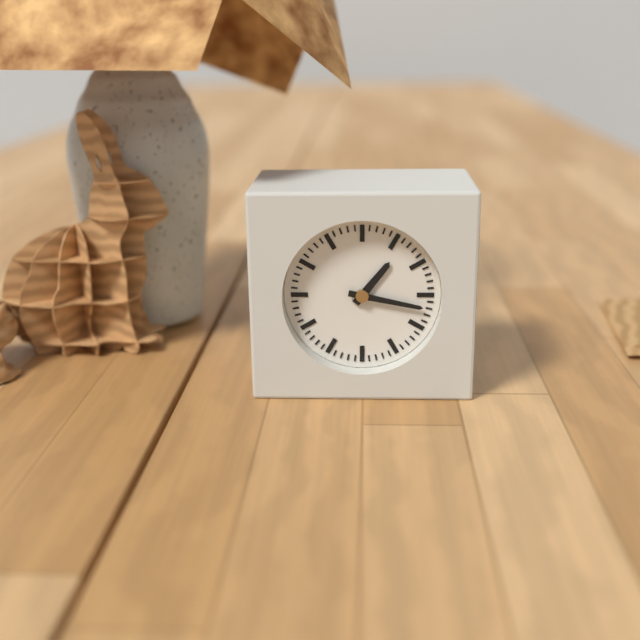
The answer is 1:17
